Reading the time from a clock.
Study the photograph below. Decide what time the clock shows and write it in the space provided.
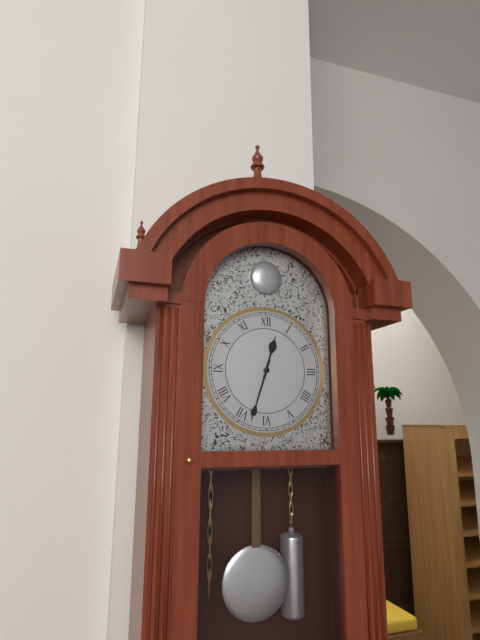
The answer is 12:33
